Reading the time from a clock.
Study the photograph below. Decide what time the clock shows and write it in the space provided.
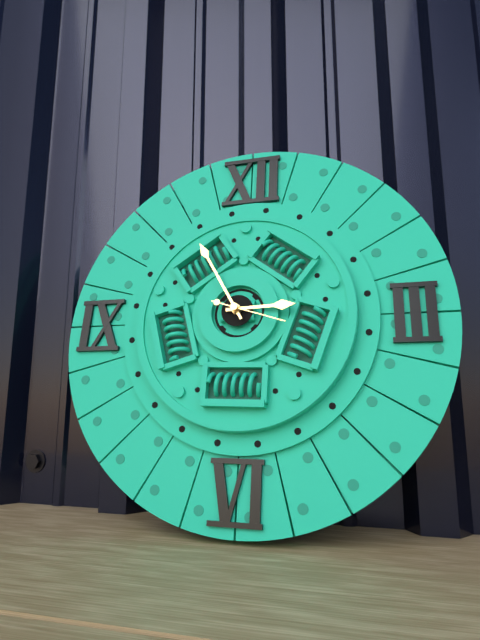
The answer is 2:55
